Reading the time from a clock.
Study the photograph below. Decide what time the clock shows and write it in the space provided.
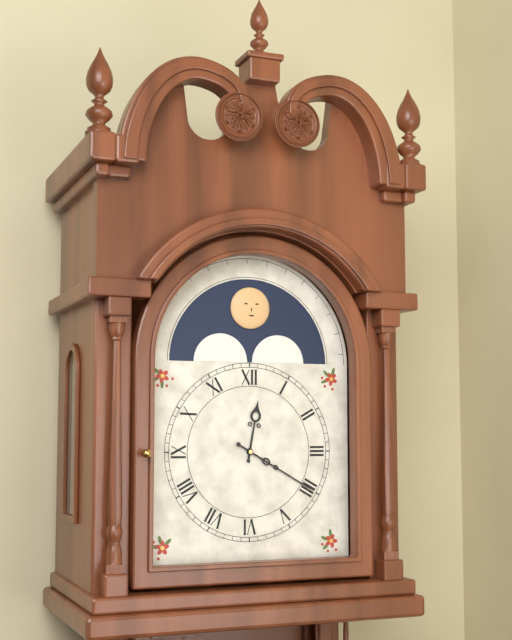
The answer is 12:20
